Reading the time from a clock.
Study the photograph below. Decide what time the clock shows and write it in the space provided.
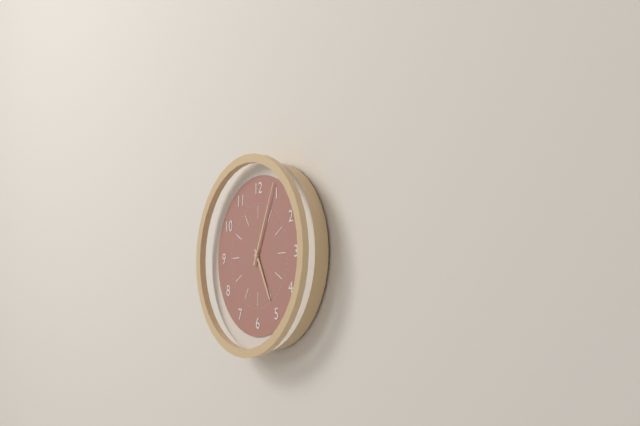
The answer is 5:04
